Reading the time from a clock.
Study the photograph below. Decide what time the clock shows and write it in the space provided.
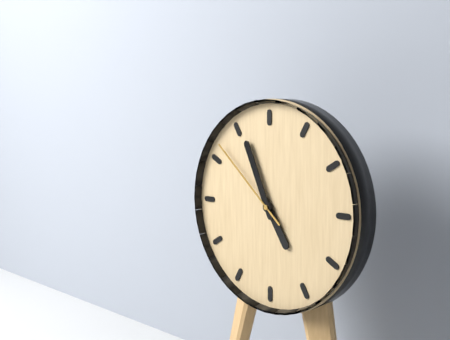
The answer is 4:56:52
